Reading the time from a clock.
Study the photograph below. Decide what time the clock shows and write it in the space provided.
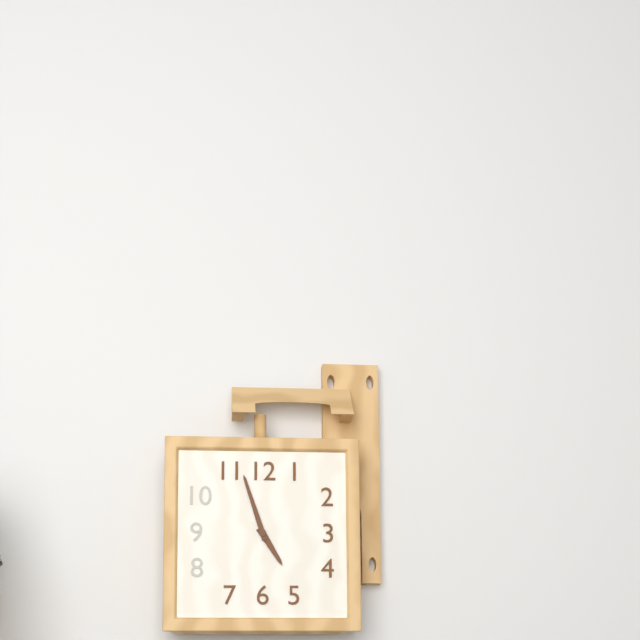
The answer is 4:57
